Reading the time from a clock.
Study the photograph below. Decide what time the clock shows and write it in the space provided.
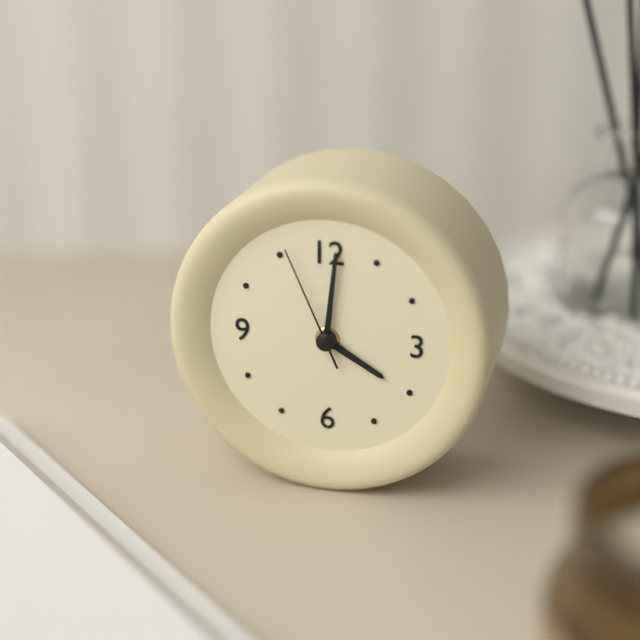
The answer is 4:01:56
